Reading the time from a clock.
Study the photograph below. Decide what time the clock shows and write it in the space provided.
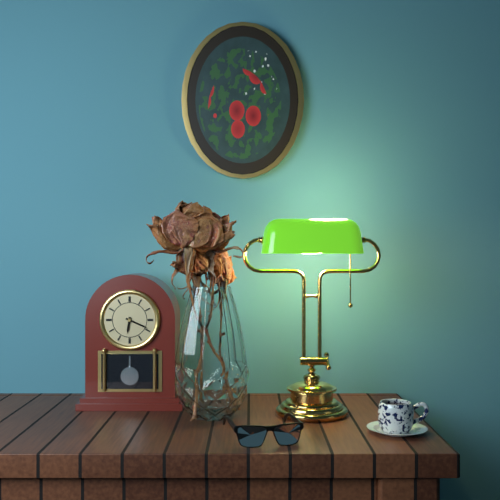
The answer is 6:19
